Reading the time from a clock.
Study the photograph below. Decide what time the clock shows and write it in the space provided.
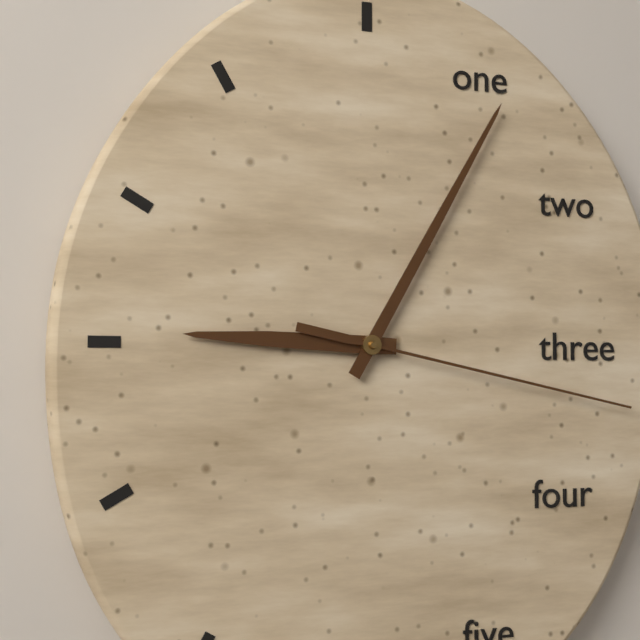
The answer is 9:05:17
